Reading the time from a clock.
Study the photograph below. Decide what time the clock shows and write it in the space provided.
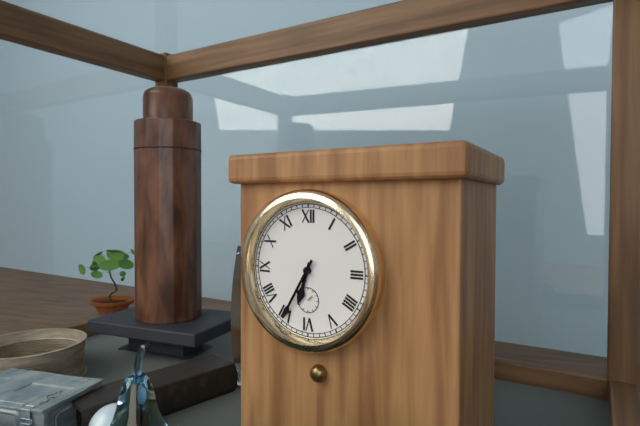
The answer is 6:35
